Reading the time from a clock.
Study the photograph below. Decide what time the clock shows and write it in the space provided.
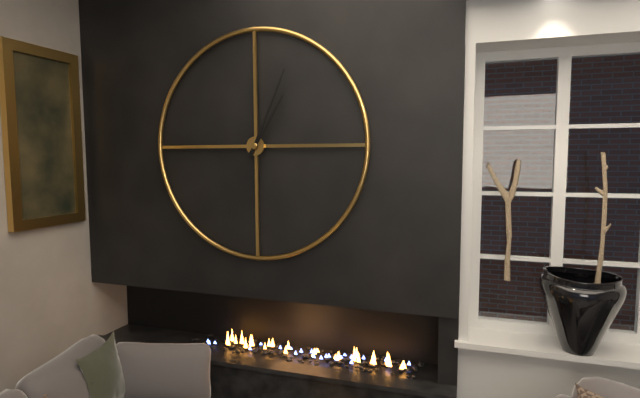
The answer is 1:04
